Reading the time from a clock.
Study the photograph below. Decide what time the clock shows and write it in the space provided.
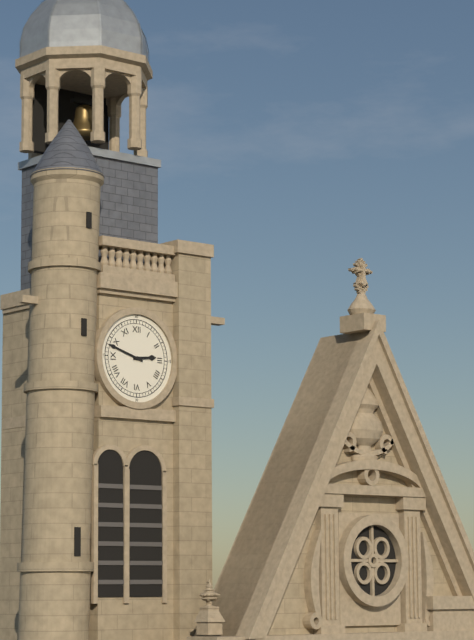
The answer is 2:48
